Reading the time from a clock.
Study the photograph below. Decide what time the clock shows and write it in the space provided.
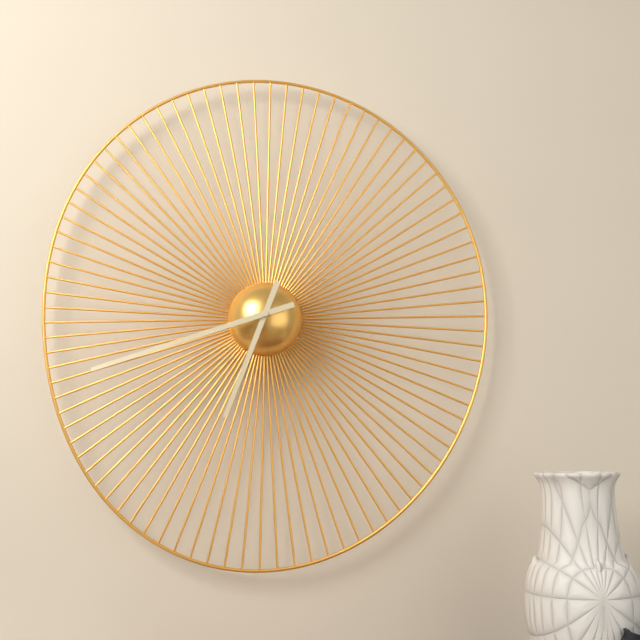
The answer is 6:42
